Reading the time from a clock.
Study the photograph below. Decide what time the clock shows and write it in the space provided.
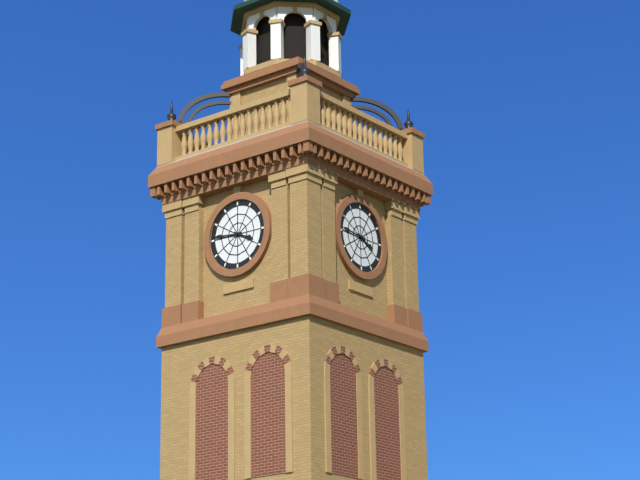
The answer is 3:46
